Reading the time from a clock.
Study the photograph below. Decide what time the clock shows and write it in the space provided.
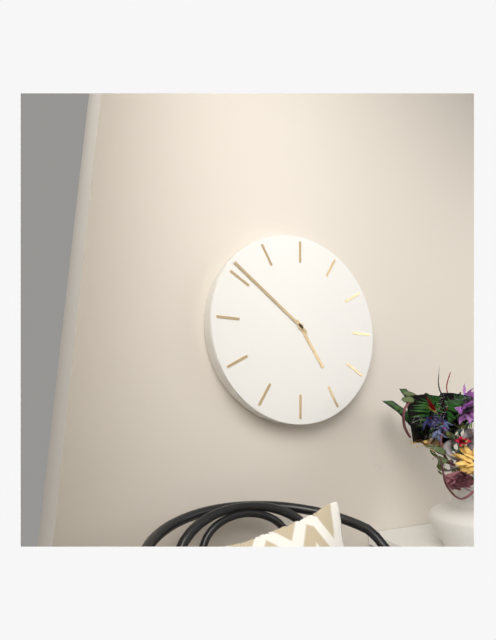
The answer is 4:51
